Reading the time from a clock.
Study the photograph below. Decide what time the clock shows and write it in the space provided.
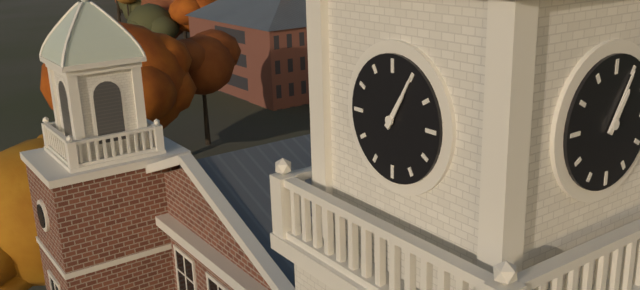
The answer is 1:05
